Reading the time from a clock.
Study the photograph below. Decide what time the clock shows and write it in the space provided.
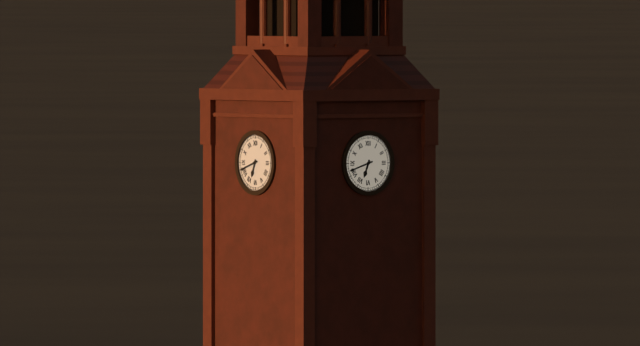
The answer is 6:42
